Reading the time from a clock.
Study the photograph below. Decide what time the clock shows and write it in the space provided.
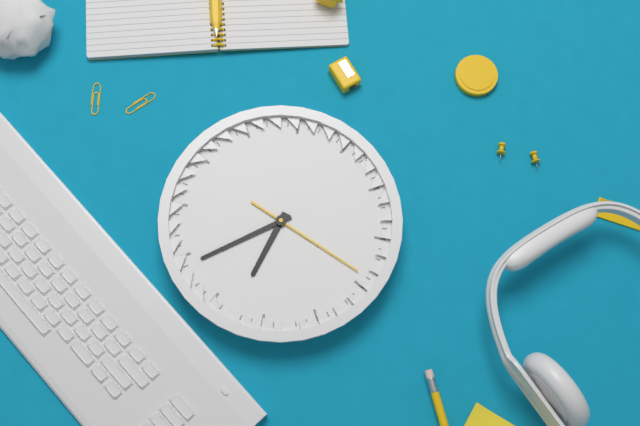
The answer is 5:34:14
